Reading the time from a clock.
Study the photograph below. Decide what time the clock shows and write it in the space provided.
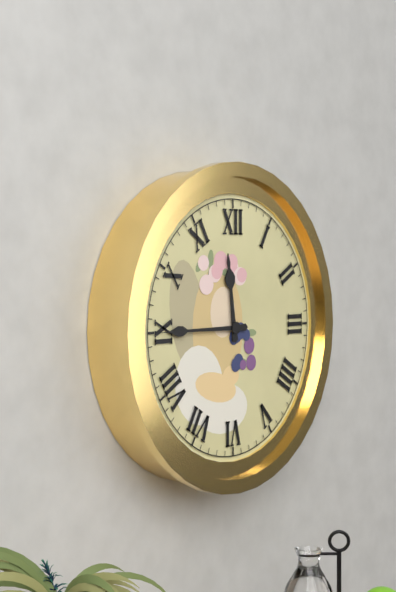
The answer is 11:45
